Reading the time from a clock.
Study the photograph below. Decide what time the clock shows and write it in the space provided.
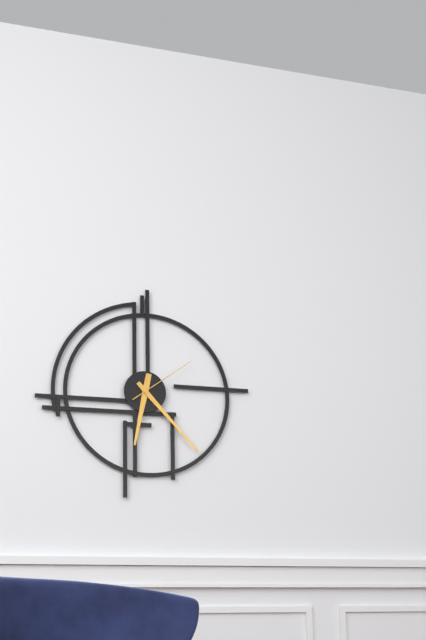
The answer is 6:23:09
